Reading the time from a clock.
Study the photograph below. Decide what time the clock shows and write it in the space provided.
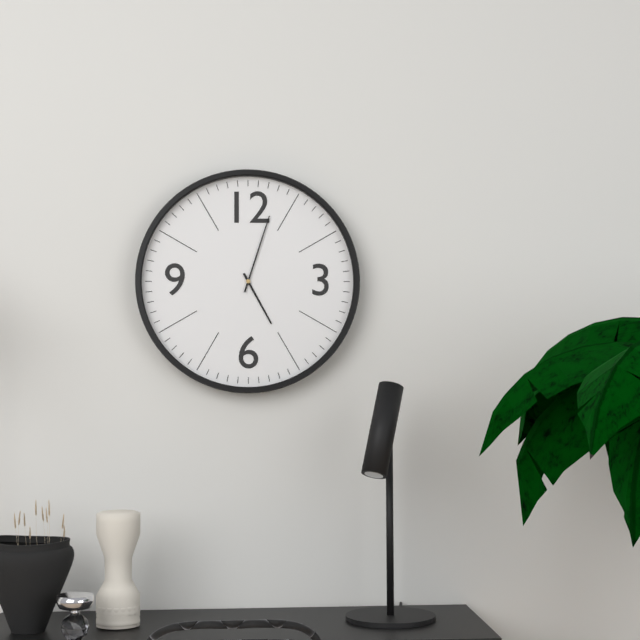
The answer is 5:03
